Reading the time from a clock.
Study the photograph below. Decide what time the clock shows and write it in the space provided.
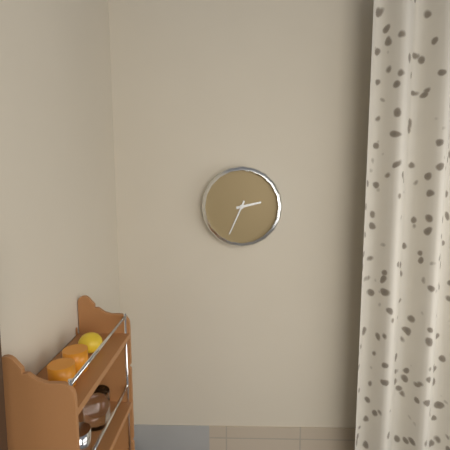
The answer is 2:34
